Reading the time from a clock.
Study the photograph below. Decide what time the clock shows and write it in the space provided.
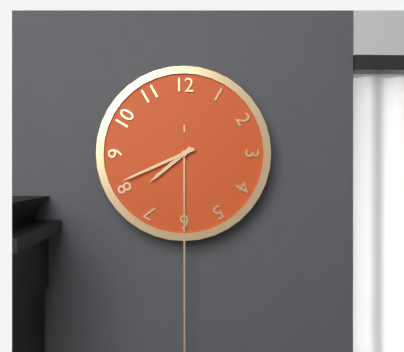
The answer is 7:41
